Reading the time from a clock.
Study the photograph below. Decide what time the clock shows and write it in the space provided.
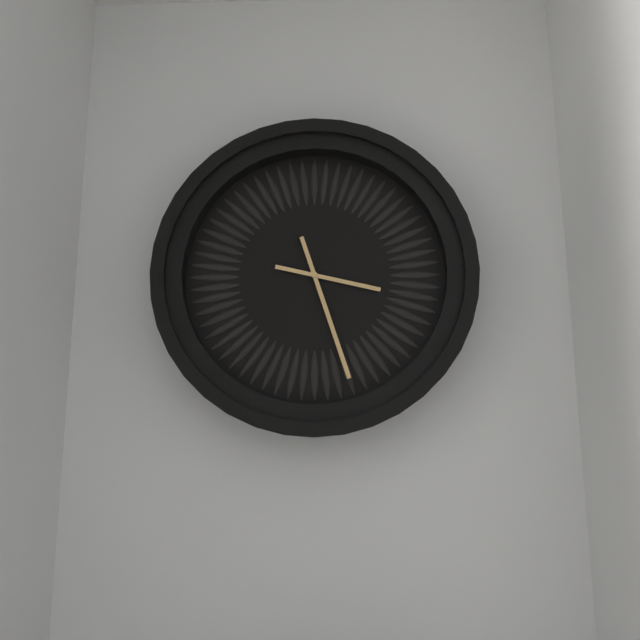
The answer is 3:27
